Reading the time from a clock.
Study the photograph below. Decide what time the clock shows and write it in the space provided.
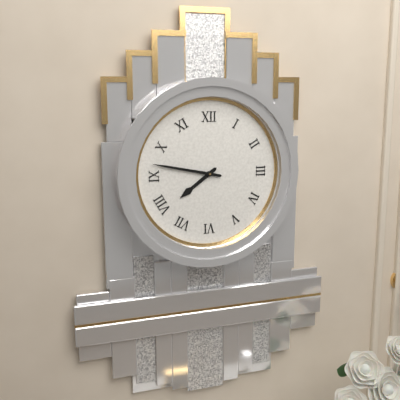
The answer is 7:47
